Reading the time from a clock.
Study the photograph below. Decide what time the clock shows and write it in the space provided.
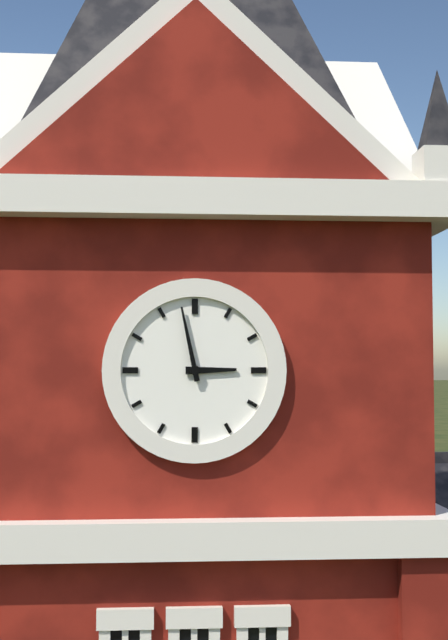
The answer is 2:58
